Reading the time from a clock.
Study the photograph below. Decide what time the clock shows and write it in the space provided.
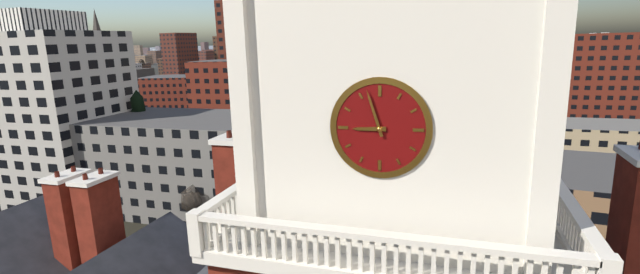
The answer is 8:57
